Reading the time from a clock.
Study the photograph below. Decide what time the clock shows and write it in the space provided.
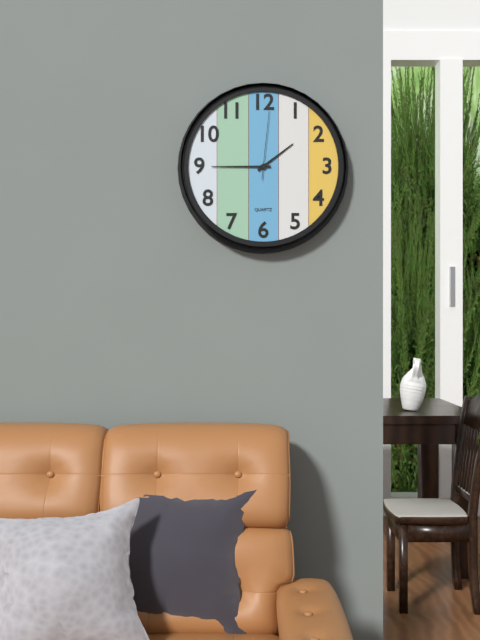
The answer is 1:45:01
